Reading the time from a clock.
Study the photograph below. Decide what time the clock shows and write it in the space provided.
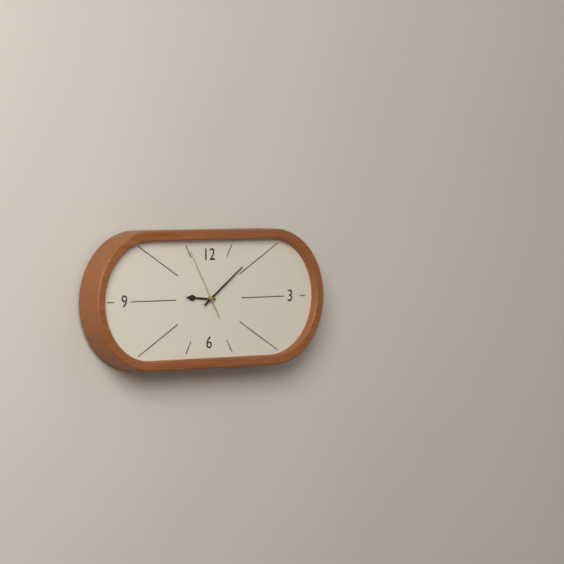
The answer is 9:09:55
